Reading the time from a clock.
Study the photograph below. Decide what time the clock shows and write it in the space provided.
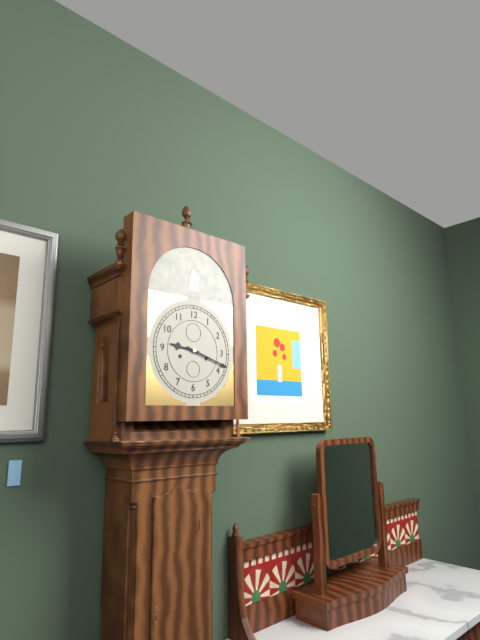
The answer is 9:18
